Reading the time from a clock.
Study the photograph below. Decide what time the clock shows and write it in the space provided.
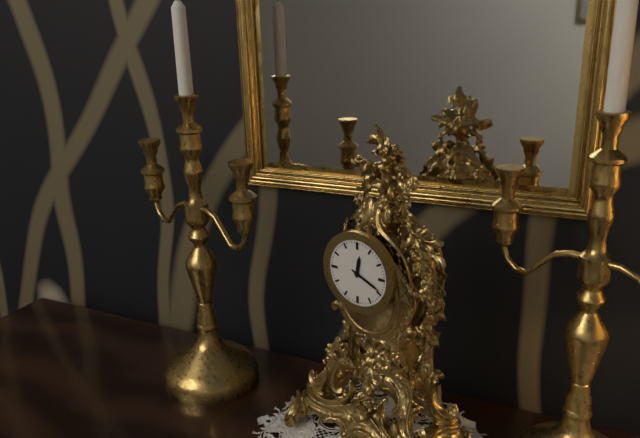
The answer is 12:19
